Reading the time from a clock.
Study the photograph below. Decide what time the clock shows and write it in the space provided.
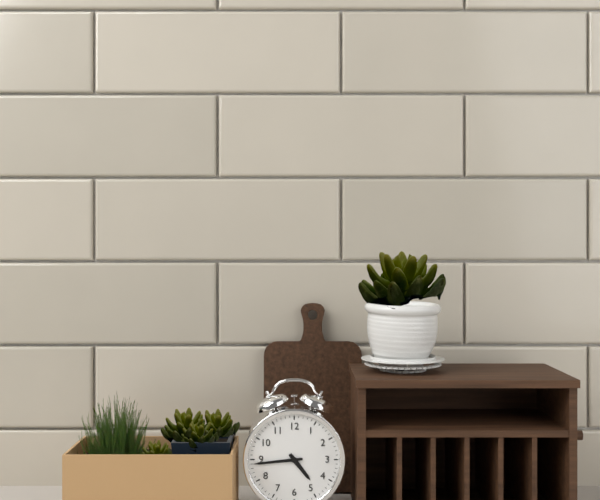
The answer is 4:44
